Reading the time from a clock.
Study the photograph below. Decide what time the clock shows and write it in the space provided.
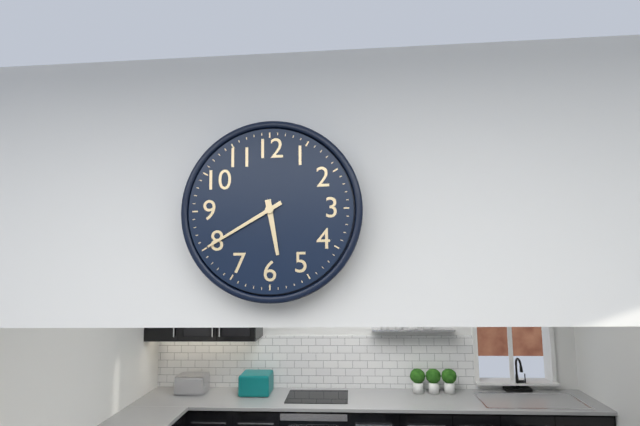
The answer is 5:40
